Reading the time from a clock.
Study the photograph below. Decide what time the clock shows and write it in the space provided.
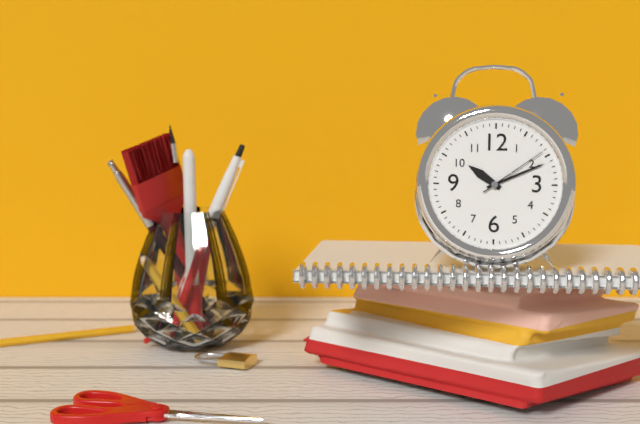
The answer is 10:11:09
